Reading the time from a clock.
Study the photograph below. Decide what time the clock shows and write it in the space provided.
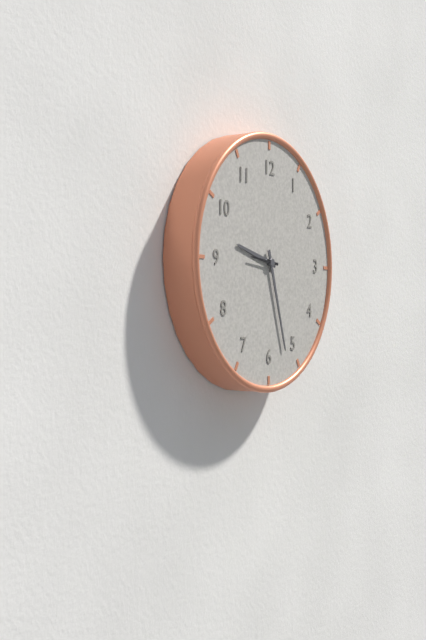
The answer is 9:27
